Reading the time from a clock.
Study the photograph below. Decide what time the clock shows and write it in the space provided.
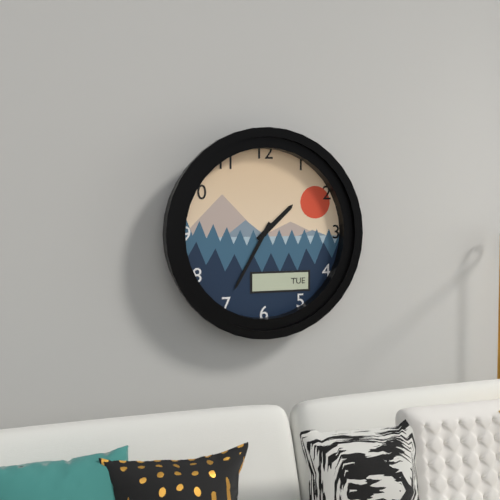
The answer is 1:35
